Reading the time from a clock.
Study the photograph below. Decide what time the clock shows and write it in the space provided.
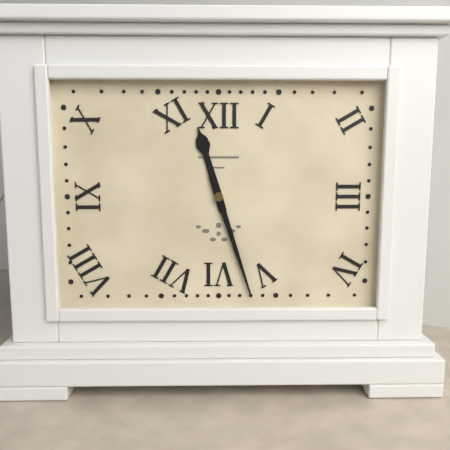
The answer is 11:27
